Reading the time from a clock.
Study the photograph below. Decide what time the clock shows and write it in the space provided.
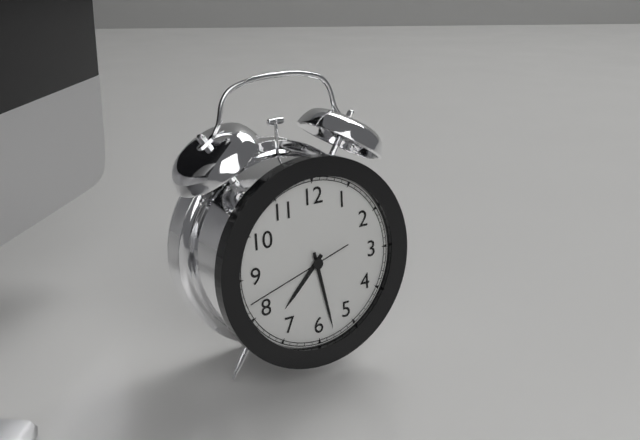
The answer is 7:28:42
